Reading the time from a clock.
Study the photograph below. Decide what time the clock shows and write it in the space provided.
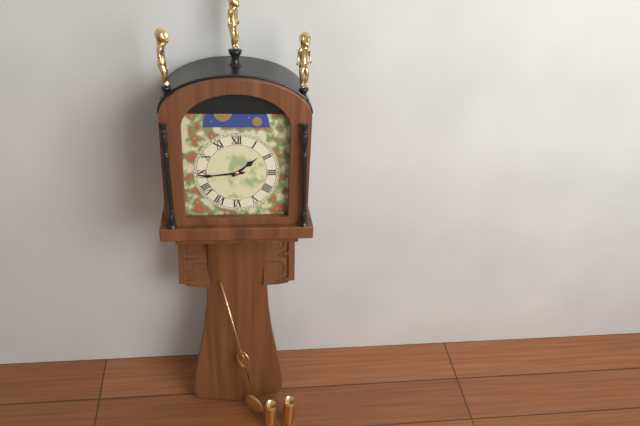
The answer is 1:44
